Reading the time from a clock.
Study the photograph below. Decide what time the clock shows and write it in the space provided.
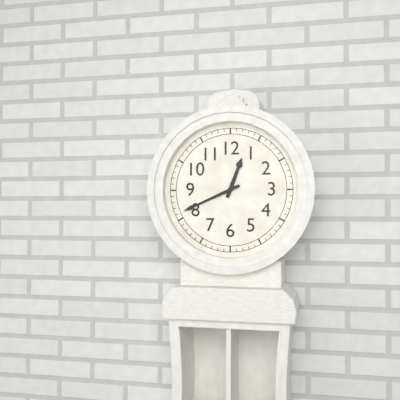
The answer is 12:41
